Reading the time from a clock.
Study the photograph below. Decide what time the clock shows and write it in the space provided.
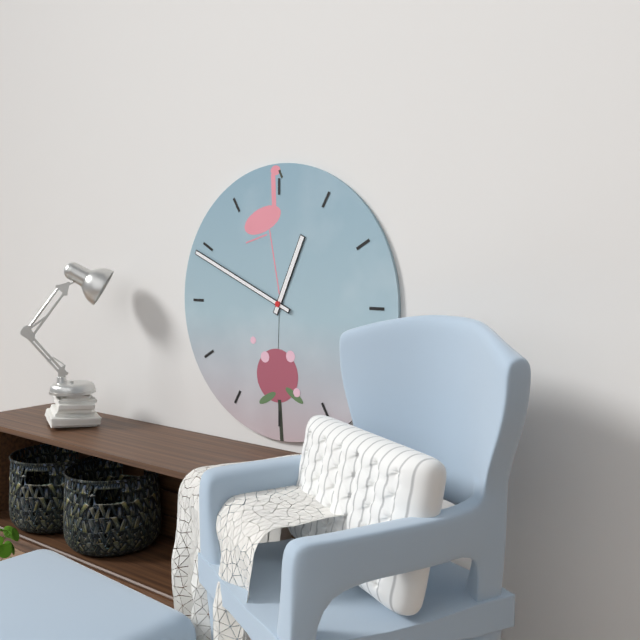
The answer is 12:49
